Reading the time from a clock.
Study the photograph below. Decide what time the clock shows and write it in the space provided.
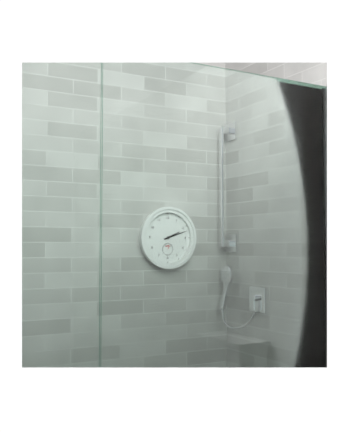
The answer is 2:12
